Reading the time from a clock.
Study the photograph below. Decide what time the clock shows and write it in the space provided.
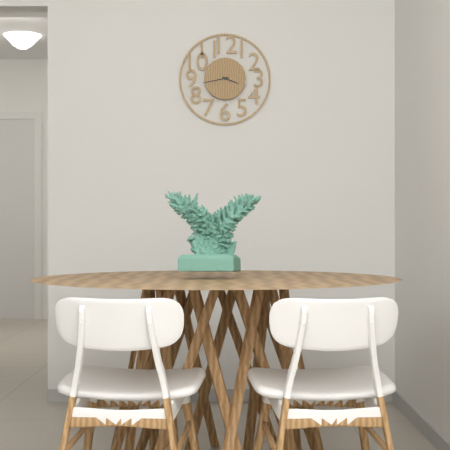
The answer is 3:43
